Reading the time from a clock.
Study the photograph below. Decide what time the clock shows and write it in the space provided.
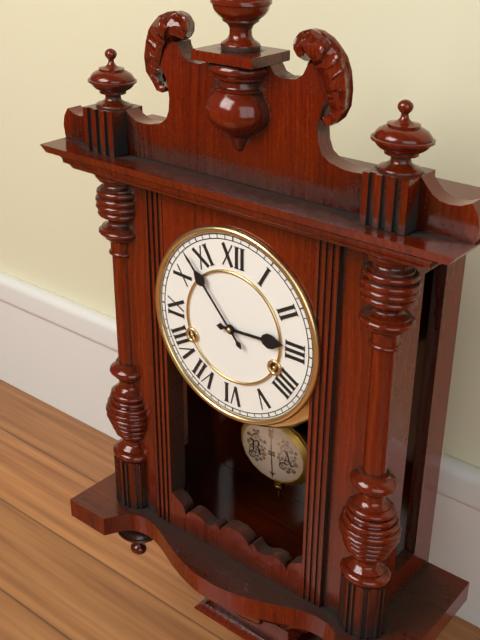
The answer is 2:53
